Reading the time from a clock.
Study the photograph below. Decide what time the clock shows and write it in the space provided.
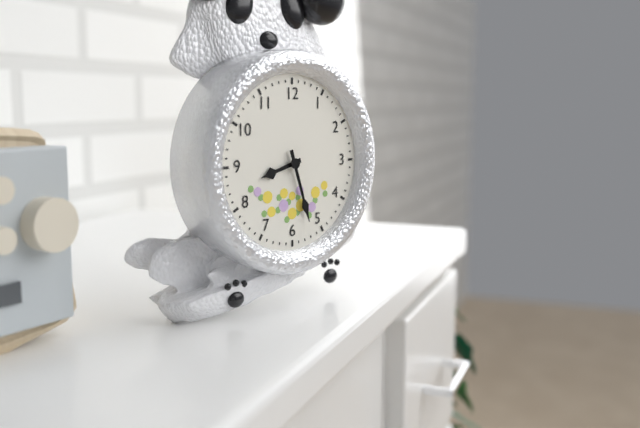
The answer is 8:27
